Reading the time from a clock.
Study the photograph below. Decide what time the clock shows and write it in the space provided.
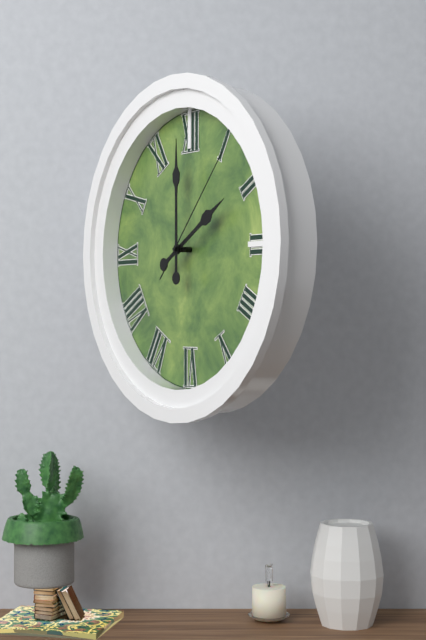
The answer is 2:00:07
